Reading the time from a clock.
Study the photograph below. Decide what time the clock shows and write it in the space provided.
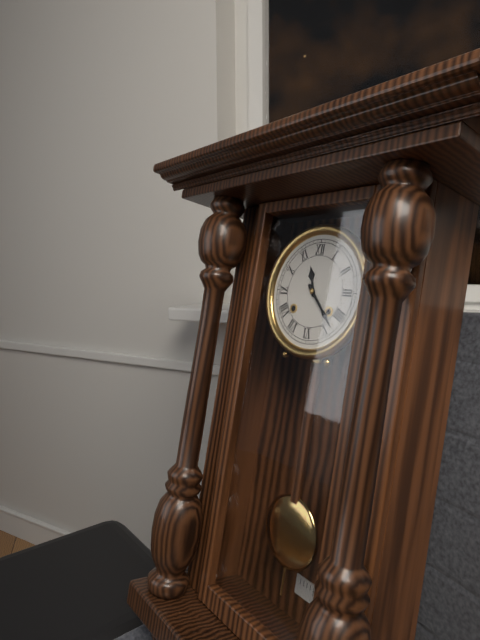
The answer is 11:23
